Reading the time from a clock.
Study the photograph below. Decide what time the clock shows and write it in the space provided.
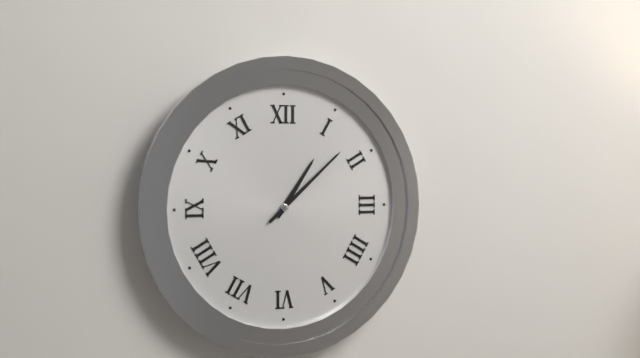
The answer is 1:08
